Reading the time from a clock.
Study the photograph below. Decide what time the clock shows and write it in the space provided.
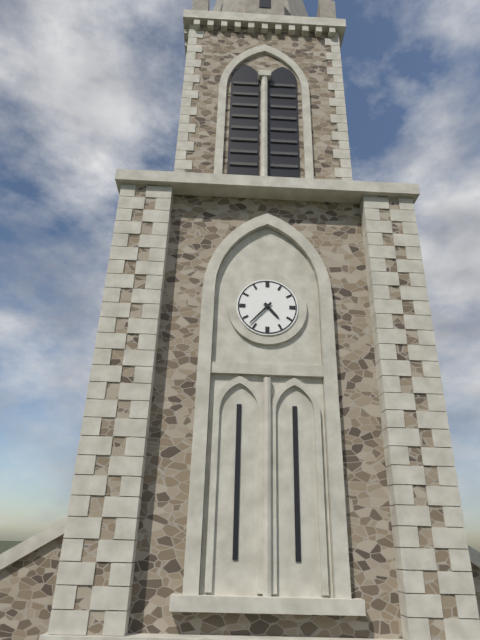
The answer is 4:37
